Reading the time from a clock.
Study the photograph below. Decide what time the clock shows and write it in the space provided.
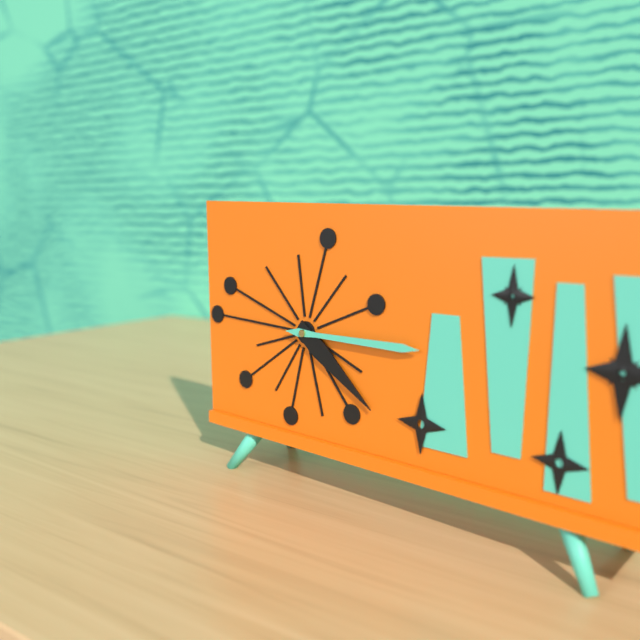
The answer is 4:15
